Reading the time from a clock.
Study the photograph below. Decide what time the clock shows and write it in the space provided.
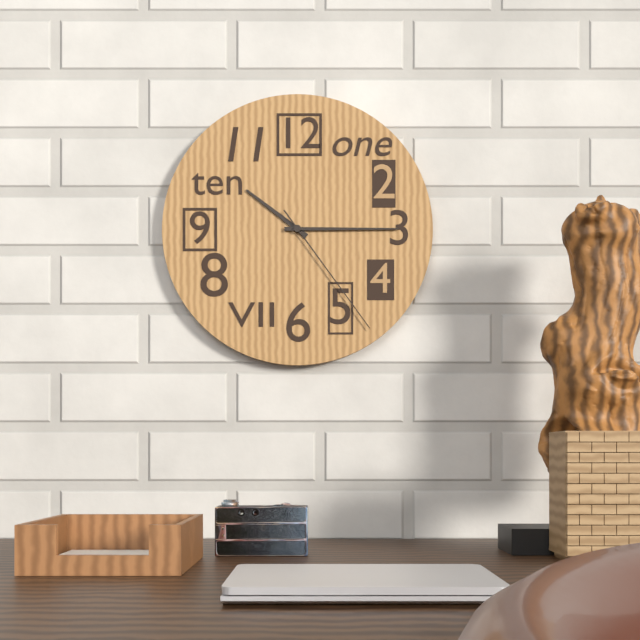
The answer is 10:15:24
